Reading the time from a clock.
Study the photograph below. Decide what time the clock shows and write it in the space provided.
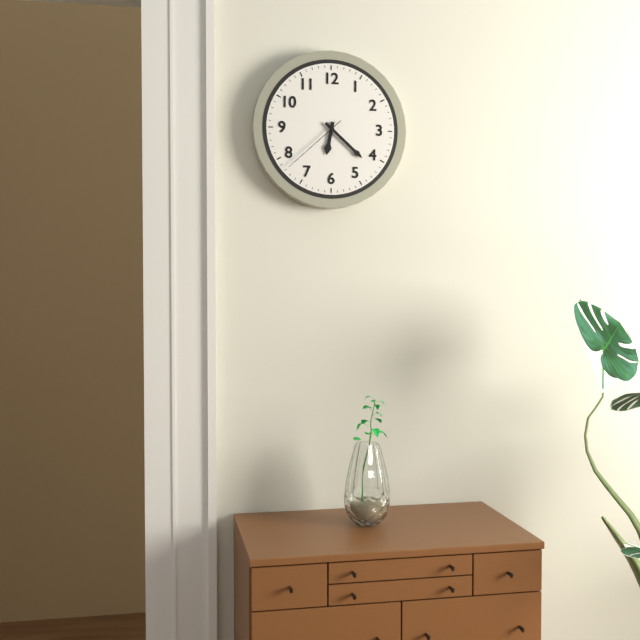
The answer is 6:22:38
